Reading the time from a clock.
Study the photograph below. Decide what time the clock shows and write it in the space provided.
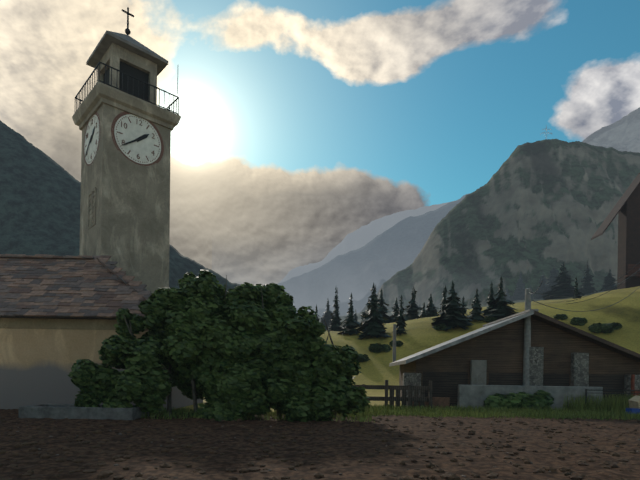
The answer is 1:39
